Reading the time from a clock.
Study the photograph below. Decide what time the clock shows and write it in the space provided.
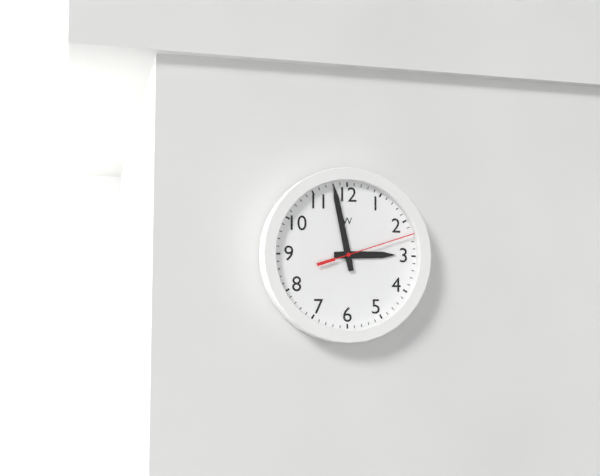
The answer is 2:58:12
